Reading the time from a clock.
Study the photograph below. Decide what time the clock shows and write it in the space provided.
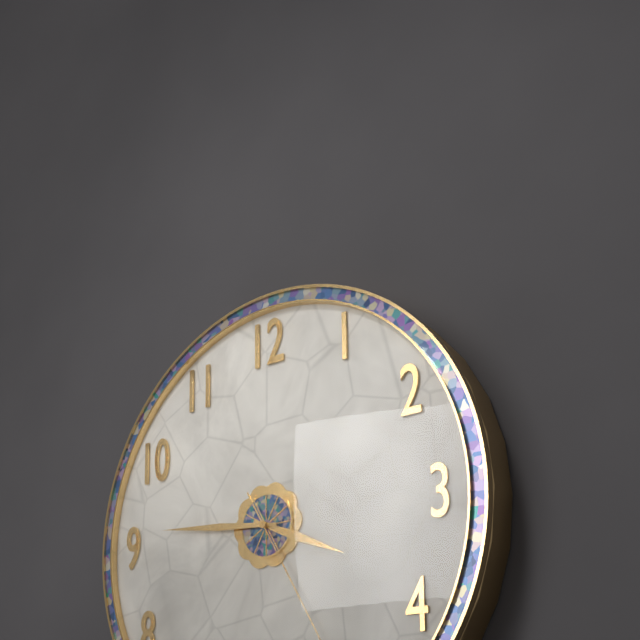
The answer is 3:46:25
